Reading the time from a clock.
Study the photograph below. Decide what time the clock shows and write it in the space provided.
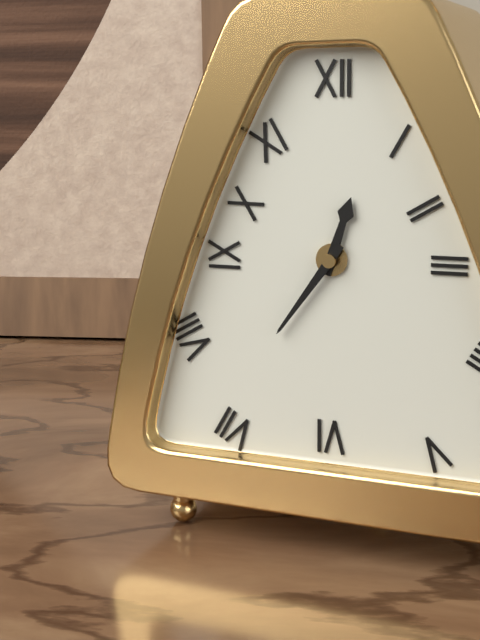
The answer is 12:36
